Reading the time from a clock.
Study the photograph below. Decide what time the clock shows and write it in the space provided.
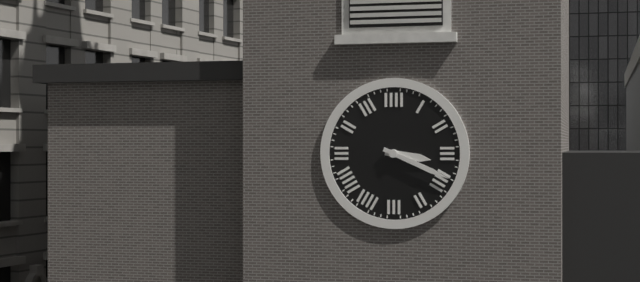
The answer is 3:19
